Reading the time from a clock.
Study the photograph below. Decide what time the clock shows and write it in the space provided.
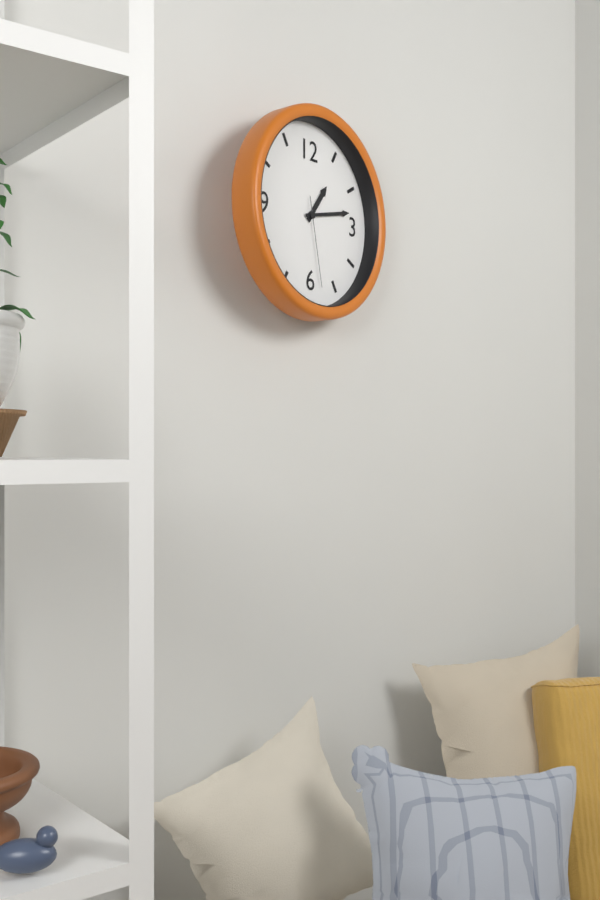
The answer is 1:13:28
